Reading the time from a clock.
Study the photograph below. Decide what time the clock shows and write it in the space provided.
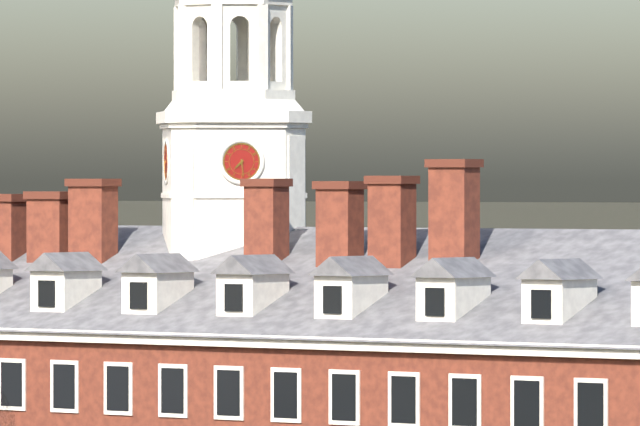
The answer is 7:29
